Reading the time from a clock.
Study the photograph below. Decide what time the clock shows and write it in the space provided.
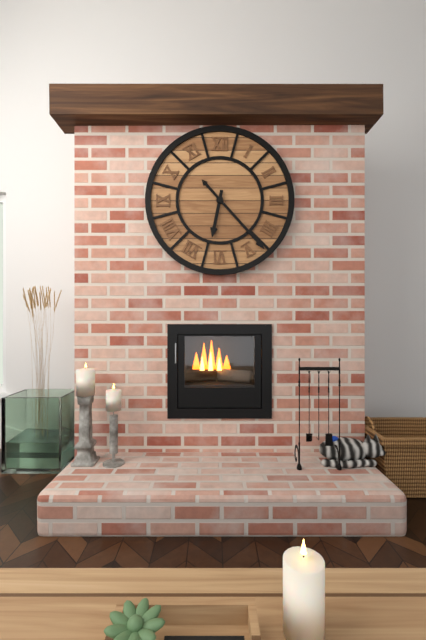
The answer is 6:23
